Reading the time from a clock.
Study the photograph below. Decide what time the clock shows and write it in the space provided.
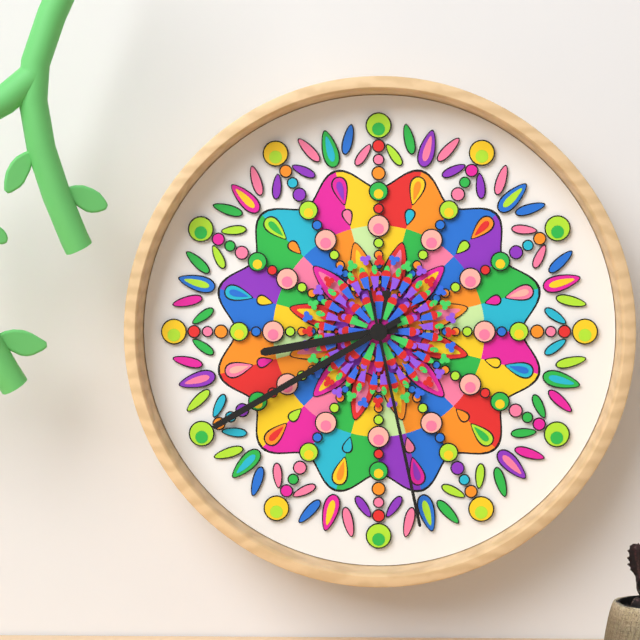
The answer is 8:40:28
